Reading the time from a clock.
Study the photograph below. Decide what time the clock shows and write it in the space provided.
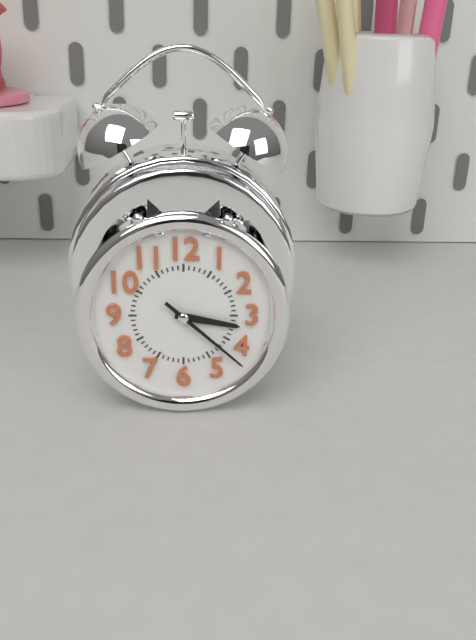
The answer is 3:22
